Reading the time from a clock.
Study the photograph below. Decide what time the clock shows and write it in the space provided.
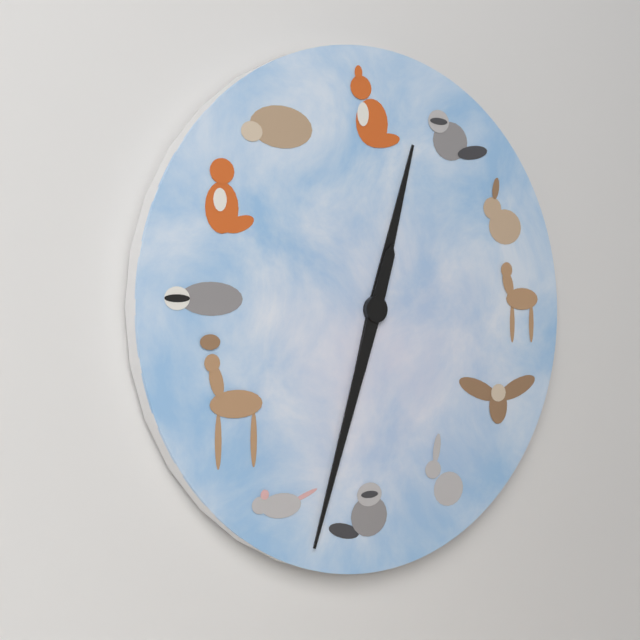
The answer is 12:33
